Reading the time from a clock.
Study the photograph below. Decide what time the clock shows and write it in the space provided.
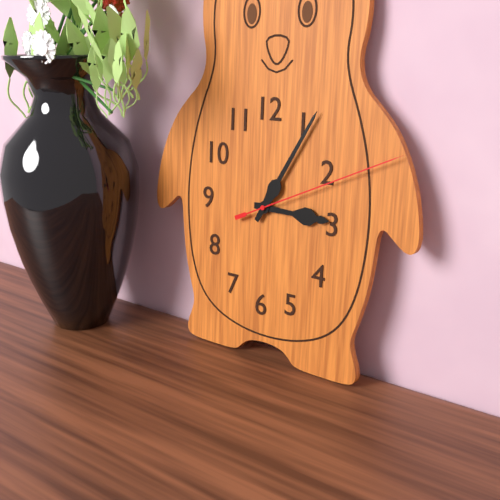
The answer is 3:05:11
